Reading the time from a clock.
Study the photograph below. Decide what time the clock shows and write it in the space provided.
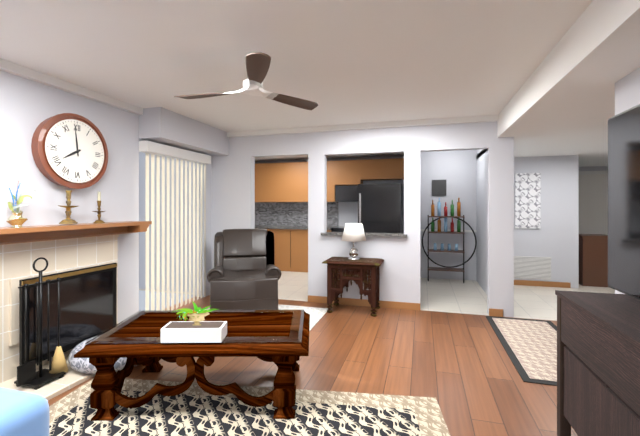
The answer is 7:59
